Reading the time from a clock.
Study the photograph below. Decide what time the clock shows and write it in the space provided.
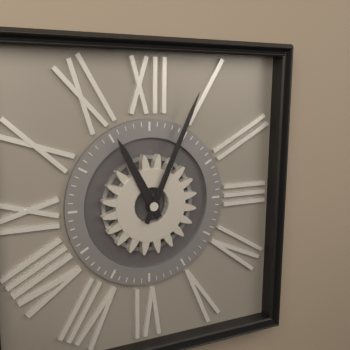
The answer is 11:04
